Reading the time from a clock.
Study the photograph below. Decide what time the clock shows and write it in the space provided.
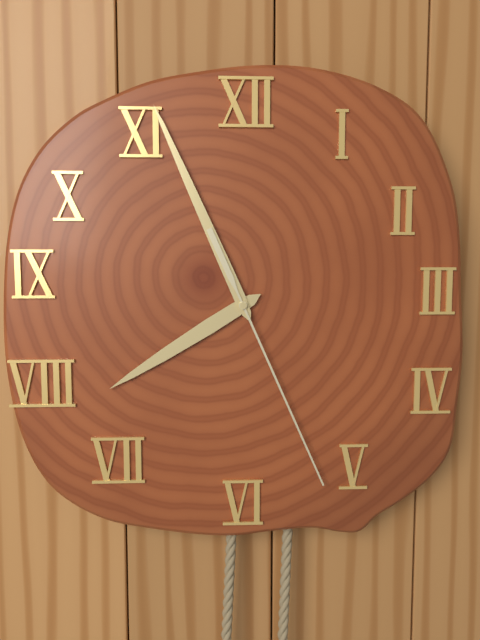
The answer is 7:56:26
